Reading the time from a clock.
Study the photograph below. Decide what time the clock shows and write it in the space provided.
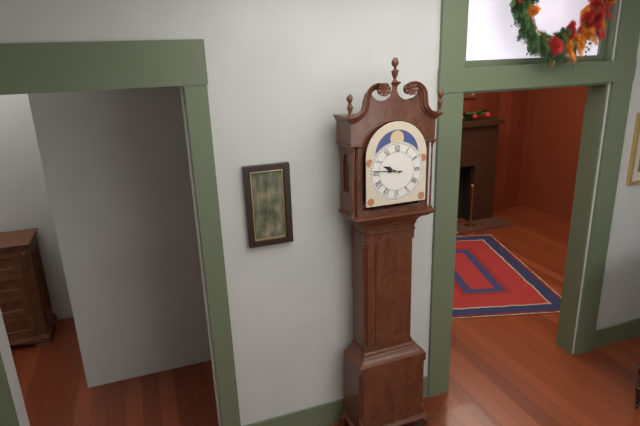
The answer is 9:46
